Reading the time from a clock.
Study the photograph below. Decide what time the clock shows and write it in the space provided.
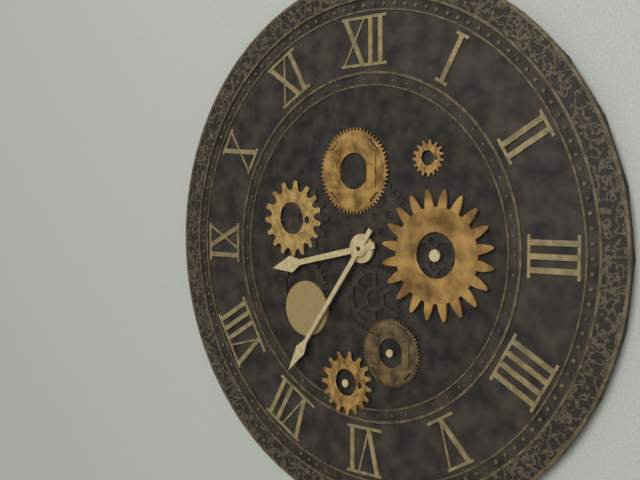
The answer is 8:36
